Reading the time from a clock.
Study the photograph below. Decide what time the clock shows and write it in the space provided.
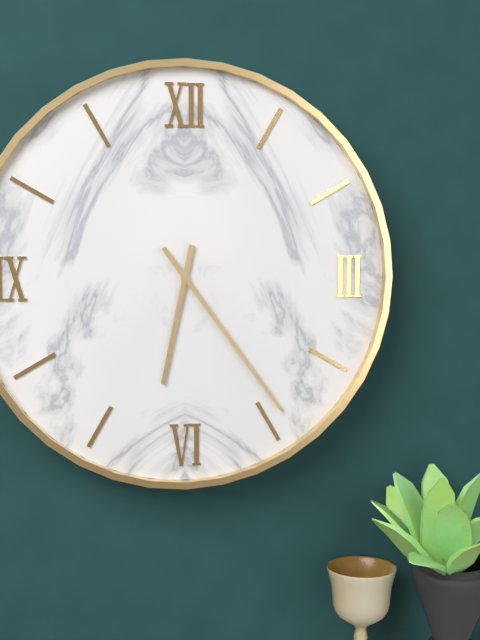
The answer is 6:24
